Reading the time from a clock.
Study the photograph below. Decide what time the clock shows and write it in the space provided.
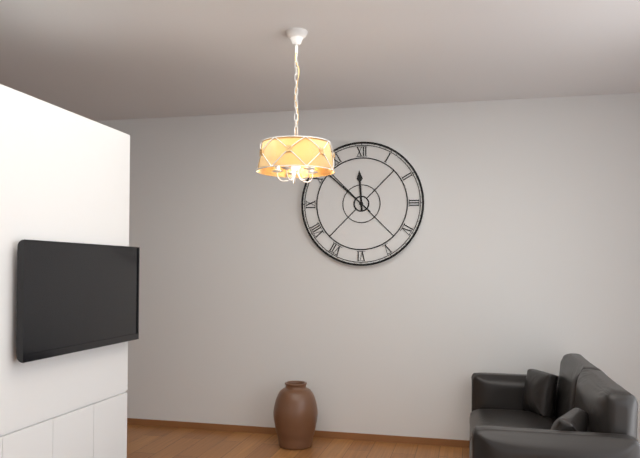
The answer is 11:52
